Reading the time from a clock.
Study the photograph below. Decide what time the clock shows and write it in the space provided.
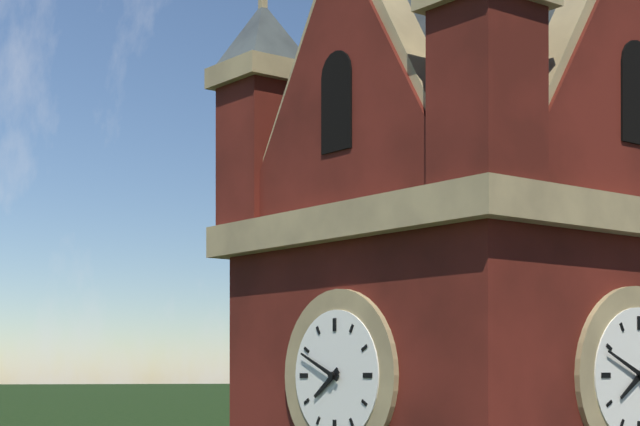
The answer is 7:49
